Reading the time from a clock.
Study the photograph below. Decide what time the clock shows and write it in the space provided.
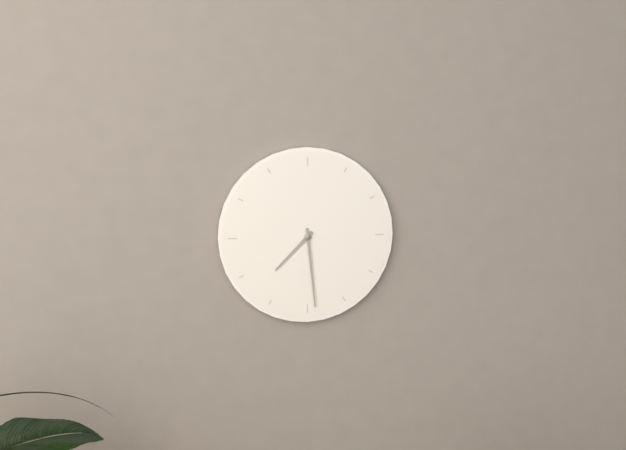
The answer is 7:29
